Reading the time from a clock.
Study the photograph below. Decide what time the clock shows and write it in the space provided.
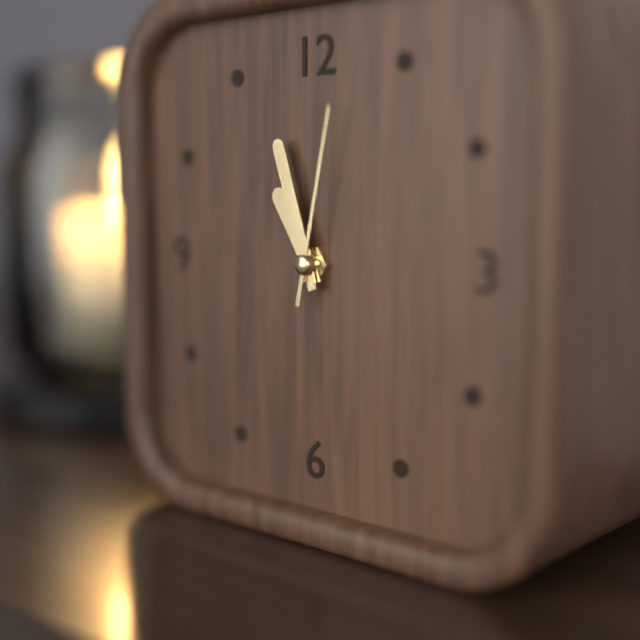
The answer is 10:57:02
